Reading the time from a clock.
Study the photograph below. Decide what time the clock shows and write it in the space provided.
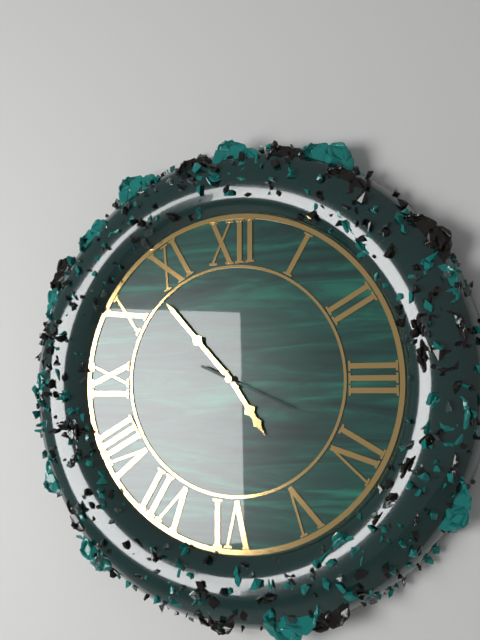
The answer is 4:53:19
